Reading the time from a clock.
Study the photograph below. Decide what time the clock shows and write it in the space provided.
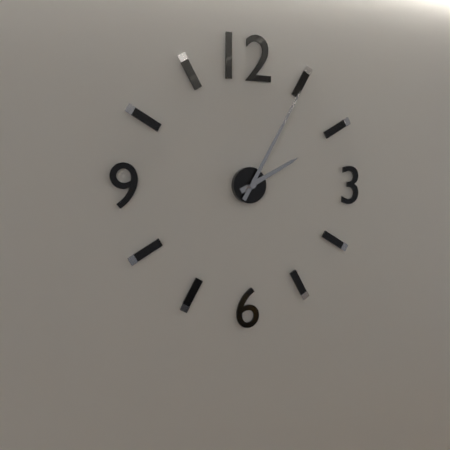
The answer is 2:05
